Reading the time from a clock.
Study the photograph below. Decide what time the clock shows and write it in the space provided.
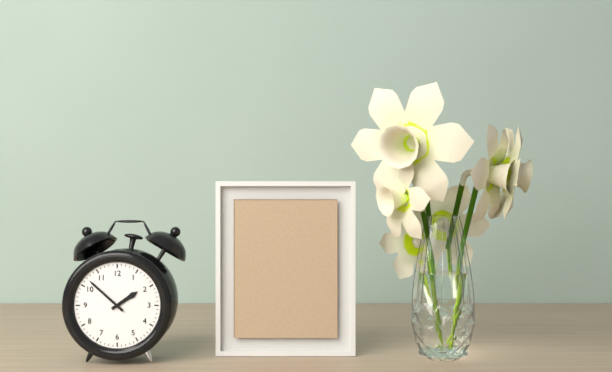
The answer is 1:52
